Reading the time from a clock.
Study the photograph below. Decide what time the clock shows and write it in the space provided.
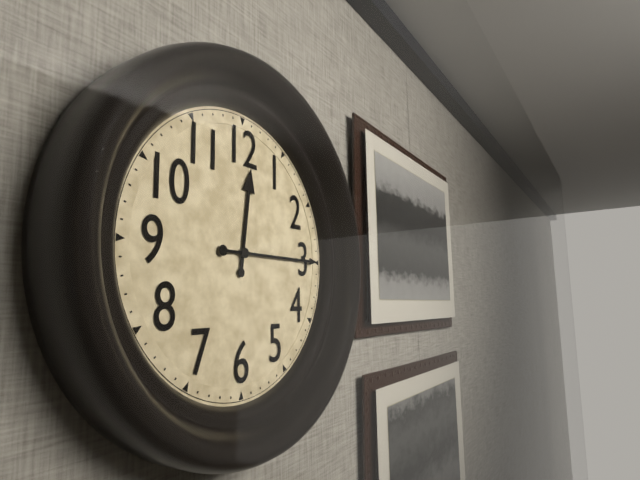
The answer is 12:15
